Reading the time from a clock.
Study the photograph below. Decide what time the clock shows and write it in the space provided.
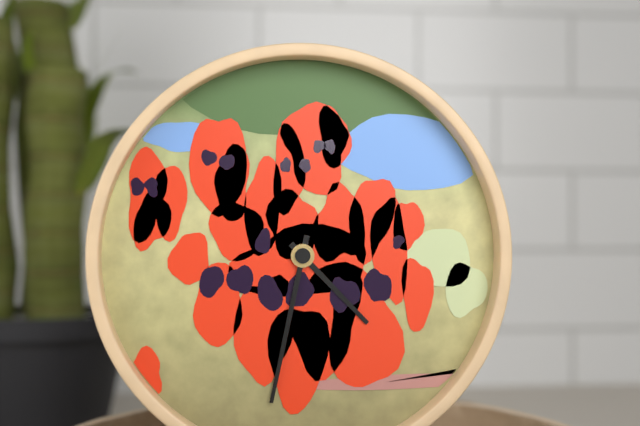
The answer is 4:32
